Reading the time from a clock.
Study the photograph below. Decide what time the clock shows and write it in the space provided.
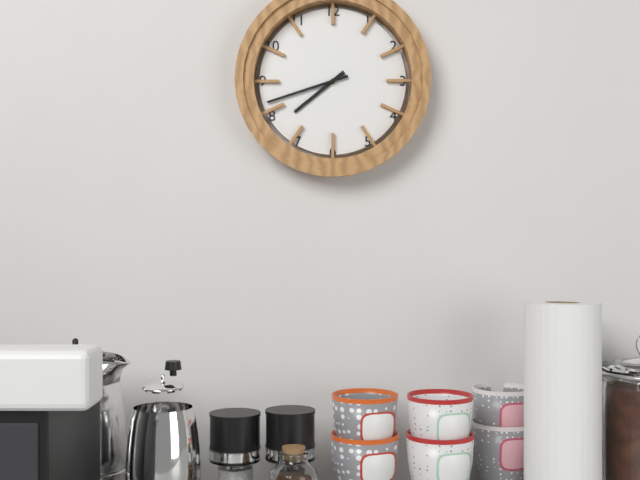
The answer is 7:42
